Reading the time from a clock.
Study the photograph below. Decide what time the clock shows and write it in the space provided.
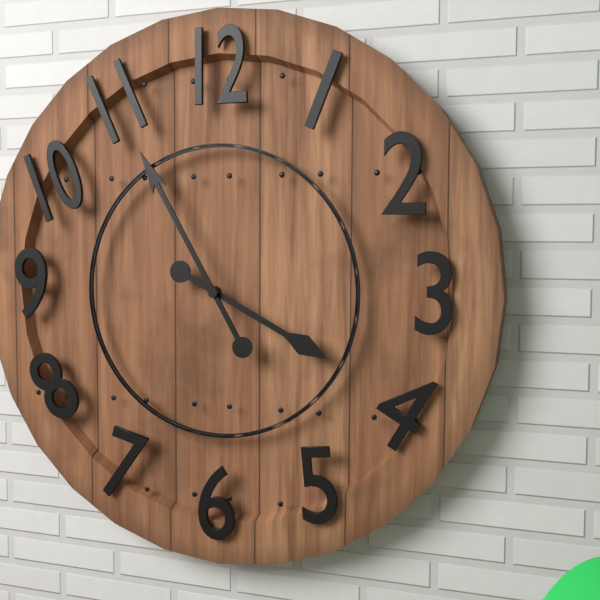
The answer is 3:55
